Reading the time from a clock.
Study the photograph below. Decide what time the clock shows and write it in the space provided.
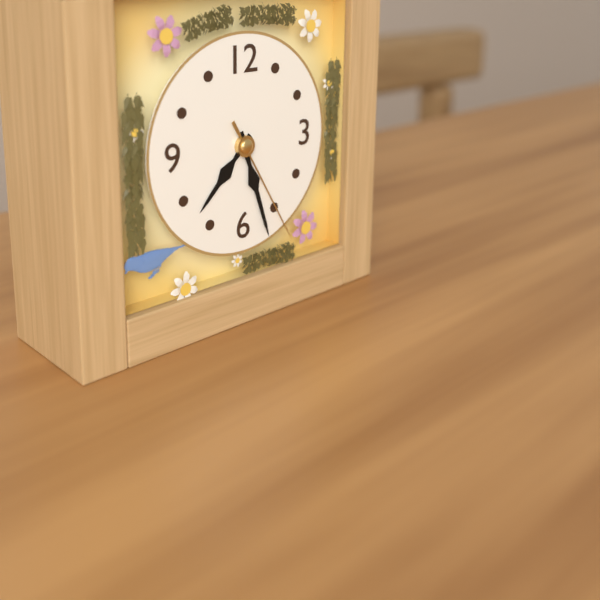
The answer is 7:27:25
